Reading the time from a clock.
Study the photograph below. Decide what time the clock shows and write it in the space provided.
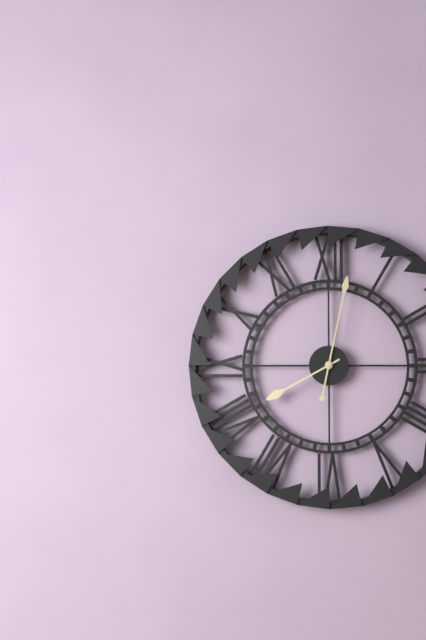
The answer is 8:02
